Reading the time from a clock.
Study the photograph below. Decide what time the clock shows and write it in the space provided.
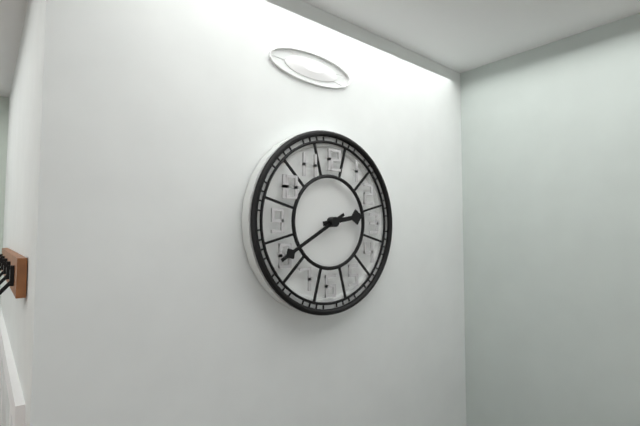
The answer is 2:40
